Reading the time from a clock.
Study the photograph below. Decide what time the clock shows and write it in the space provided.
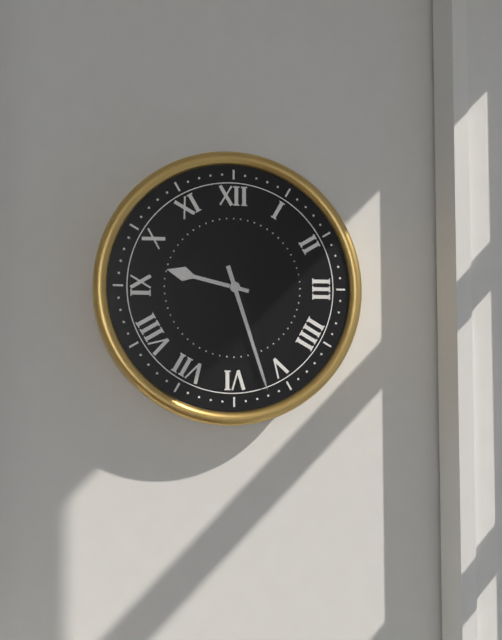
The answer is 9:27
